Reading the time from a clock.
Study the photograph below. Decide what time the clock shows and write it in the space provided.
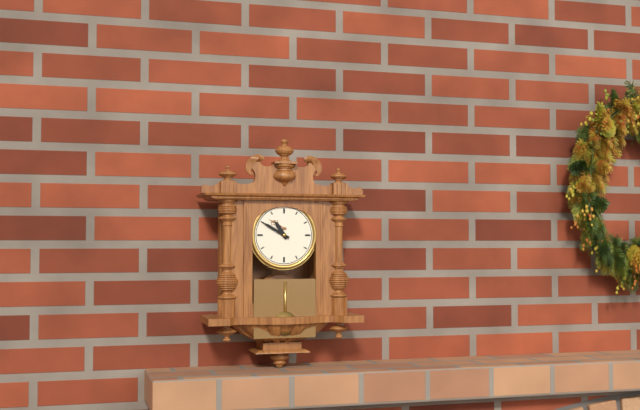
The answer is 10:50
